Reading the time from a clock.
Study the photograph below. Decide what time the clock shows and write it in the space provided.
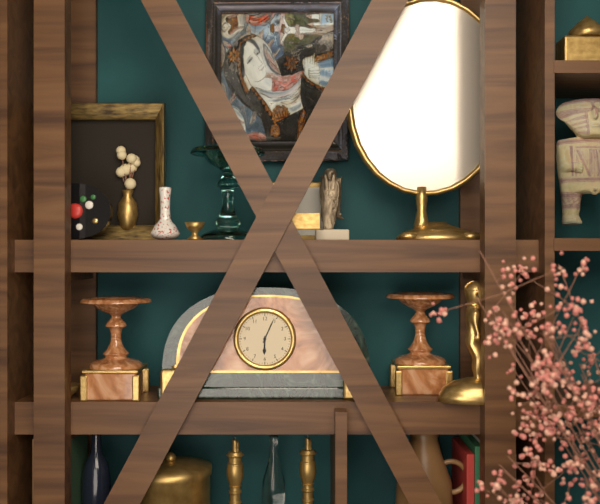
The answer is 6:04
